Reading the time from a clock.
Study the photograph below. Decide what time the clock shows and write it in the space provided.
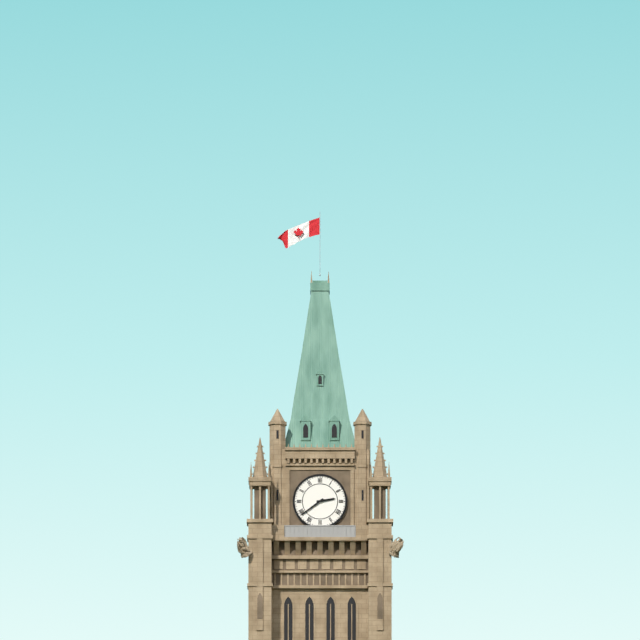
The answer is 2:39
